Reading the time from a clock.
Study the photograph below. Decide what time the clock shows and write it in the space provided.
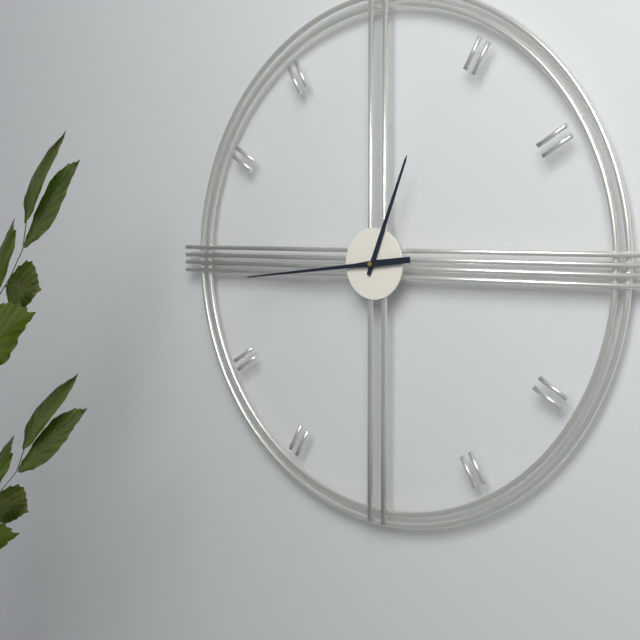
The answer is 12:44
